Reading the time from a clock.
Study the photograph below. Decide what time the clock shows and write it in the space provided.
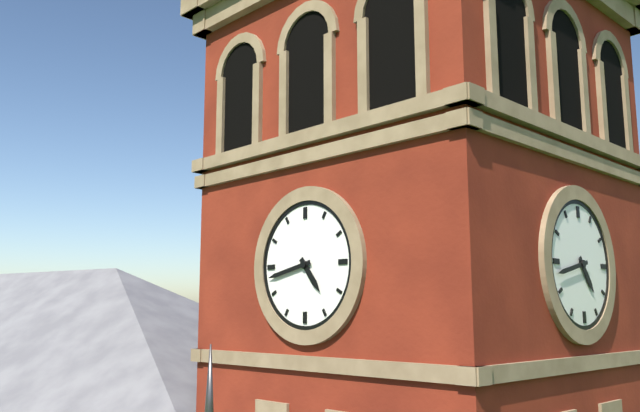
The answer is 4:43
